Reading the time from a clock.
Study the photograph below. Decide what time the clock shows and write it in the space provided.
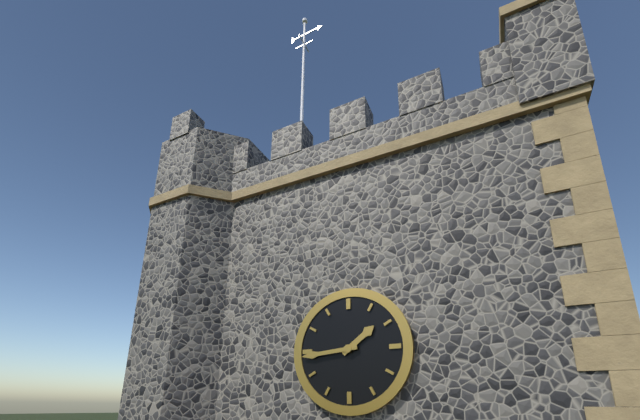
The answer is 1:44
